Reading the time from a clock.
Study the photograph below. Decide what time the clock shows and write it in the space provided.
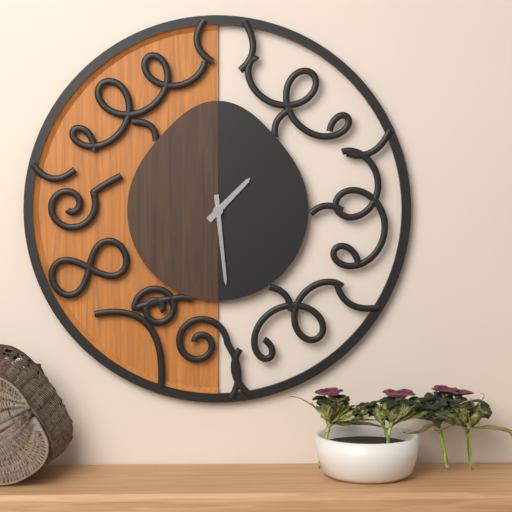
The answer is 1:29
